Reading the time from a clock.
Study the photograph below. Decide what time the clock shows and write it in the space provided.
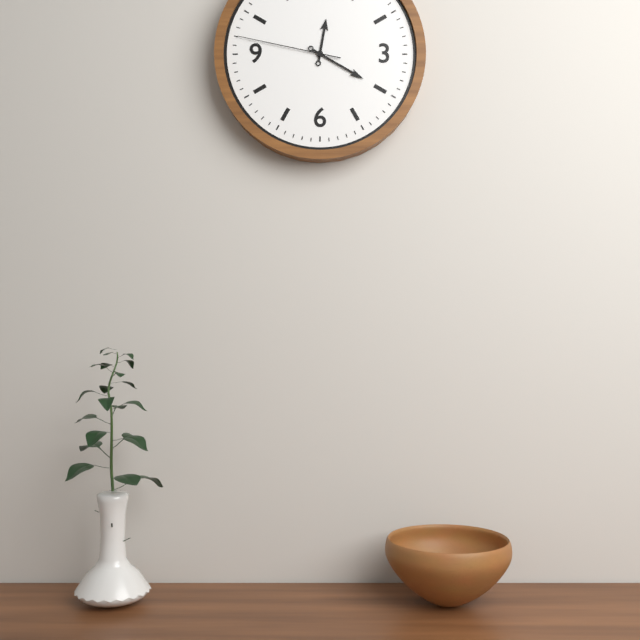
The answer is 12:20:47
